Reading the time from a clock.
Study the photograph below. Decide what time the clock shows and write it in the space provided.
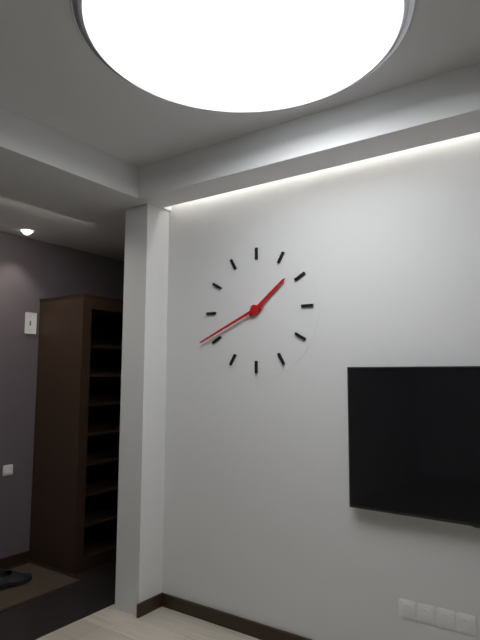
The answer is 1:41
